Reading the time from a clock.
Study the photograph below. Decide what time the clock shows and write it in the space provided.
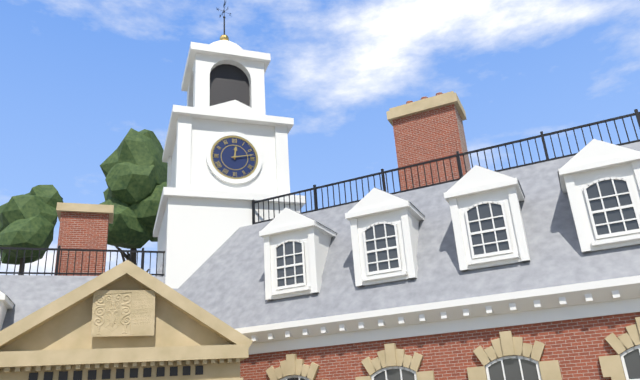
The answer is 12:13
